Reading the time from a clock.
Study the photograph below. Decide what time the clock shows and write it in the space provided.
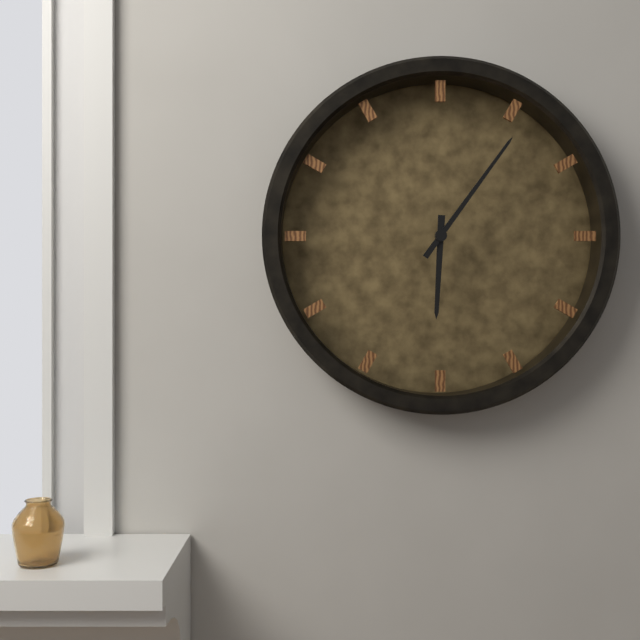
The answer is 6:06
